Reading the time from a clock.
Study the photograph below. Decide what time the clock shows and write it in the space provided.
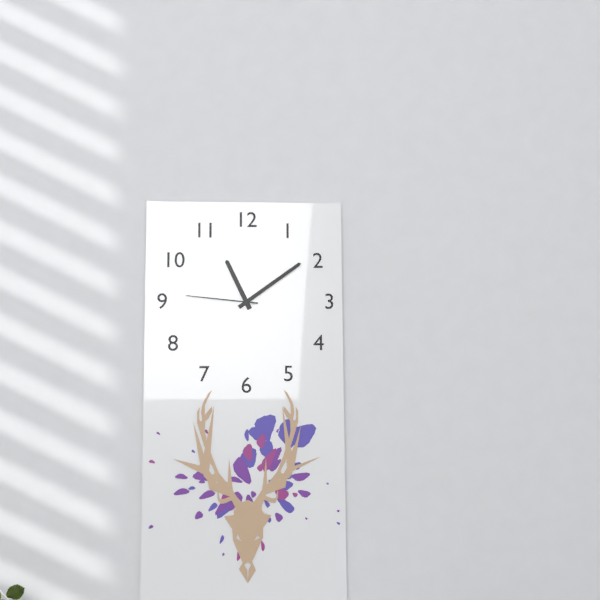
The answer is 11:09:46
